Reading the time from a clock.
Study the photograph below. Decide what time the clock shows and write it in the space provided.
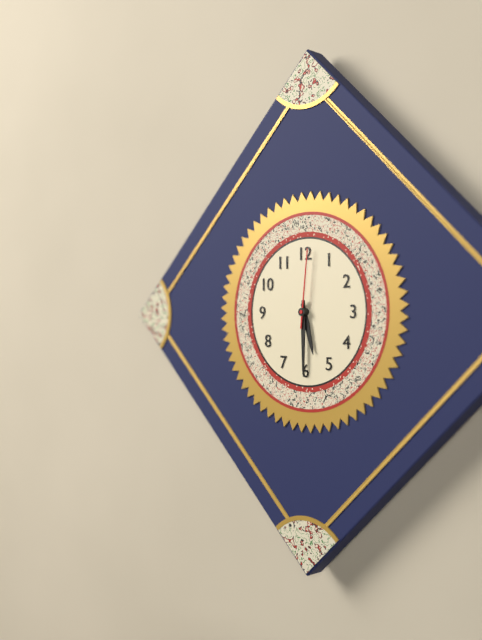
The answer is 5:30:01
